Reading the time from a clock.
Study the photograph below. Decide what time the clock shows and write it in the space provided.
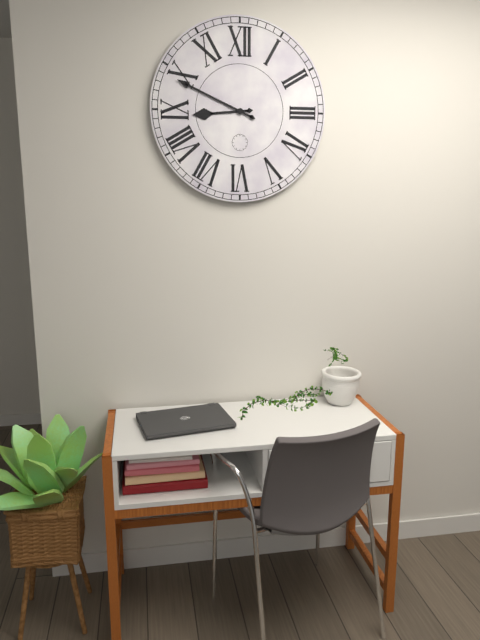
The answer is 8:49
